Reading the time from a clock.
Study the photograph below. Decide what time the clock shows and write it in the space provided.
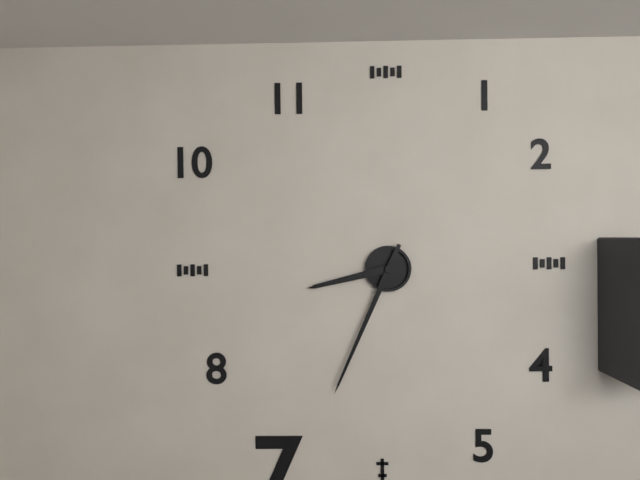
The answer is 8:34
